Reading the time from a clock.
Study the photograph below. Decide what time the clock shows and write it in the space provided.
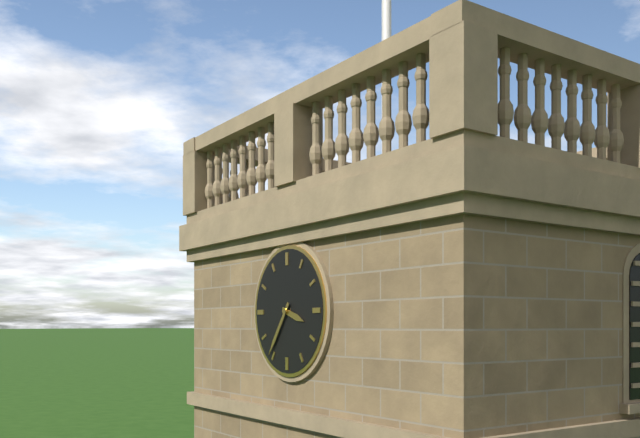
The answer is 3:36
